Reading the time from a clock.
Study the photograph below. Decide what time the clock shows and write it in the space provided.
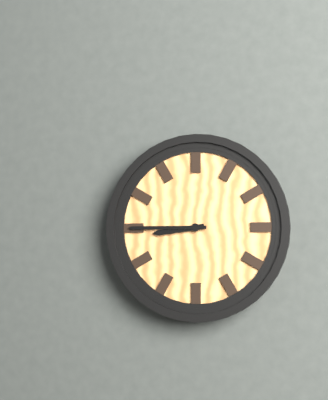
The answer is 8:45
